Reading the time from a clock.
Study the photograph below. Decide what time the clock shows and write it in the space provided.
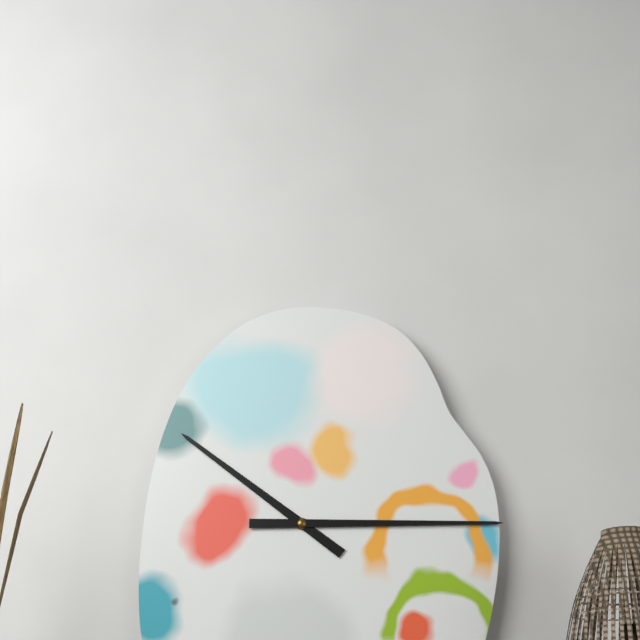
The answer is 10:15
